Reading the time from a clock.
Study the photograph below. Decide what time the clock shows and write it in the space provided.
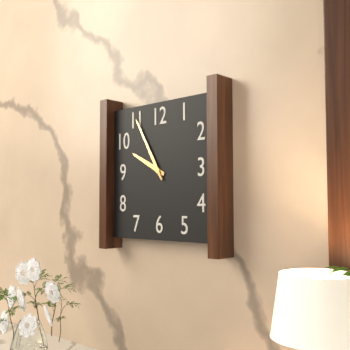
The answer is 9:55
